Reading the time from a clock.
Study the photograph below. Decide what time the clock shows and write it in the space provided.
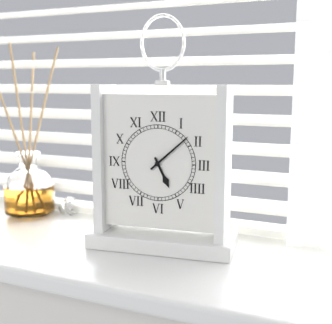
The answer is 5:08
